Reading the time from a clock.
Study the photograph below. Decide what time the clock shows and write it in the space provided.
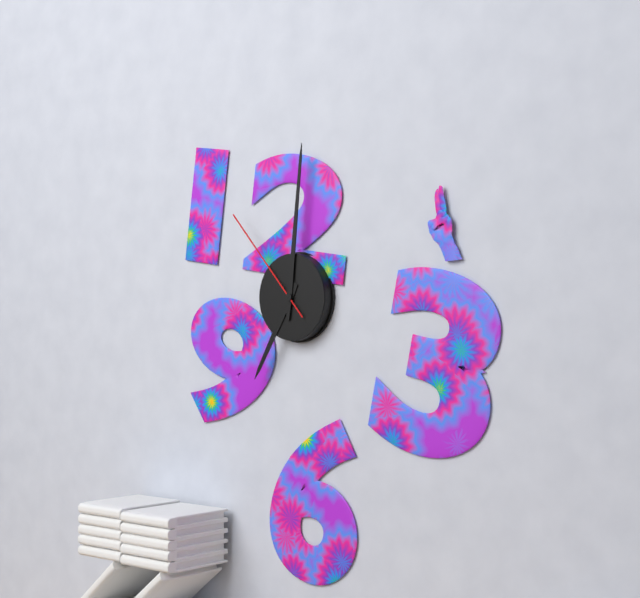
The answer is 7:01:53
